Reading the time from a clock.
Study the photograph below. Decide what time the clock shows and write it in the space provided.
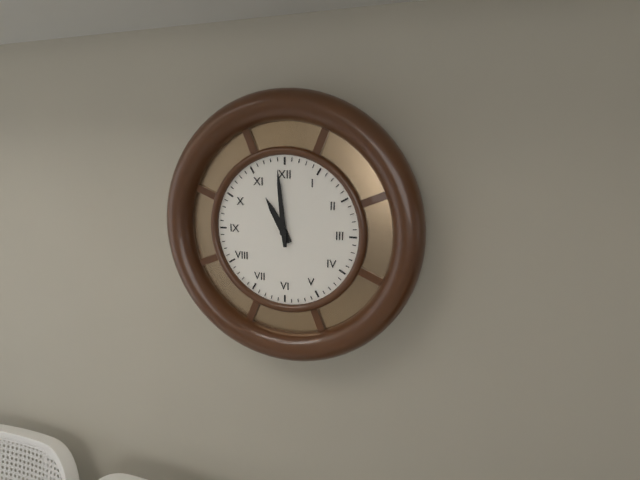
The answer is 10:59
